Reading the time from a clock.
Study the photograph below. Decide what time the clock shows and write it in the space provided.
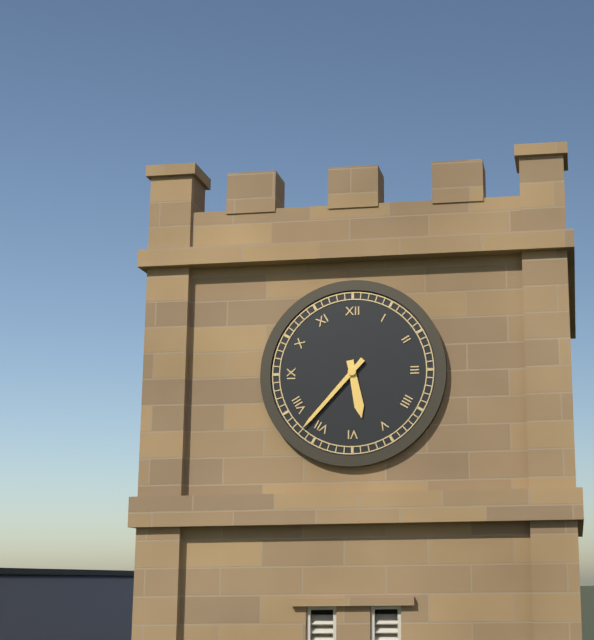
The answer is 5:37
